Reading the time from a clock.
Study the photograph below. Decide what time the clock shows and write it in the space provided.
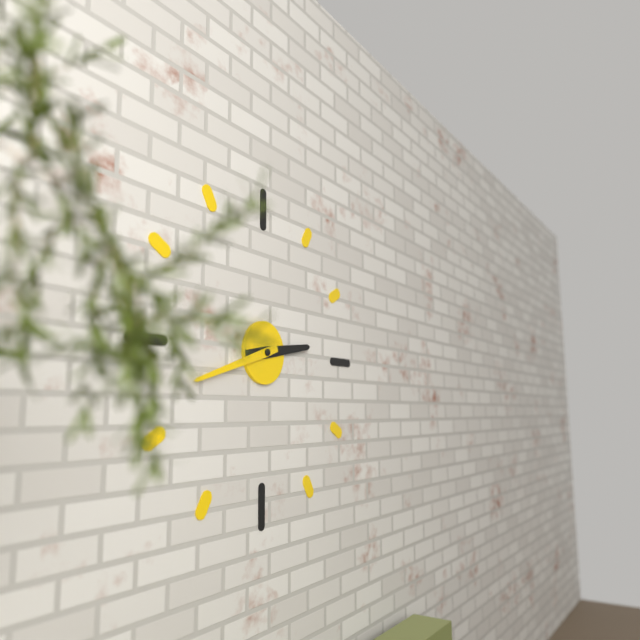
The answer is 2:42
